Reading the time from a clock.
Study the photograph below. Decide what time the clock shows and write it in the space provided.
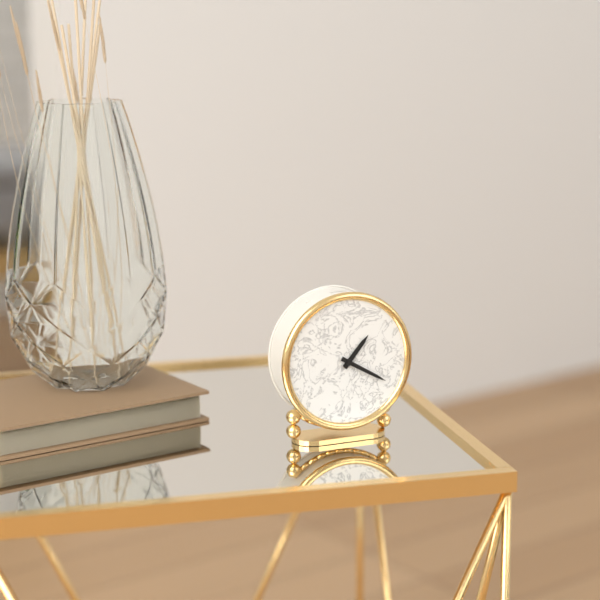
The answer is 1:20
